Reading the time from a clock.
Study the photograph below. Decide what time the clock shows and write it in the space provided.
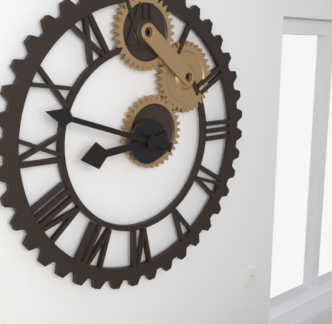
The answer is 8:48
